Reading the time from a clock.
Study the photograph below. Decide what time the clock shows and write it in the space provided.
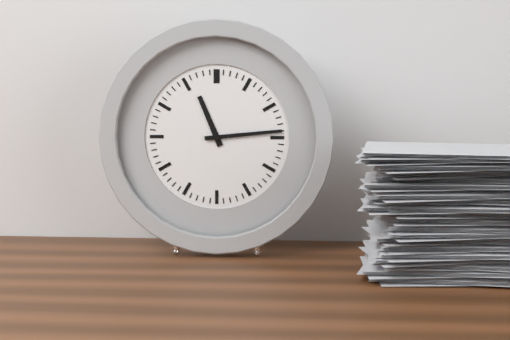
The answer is 11:14
